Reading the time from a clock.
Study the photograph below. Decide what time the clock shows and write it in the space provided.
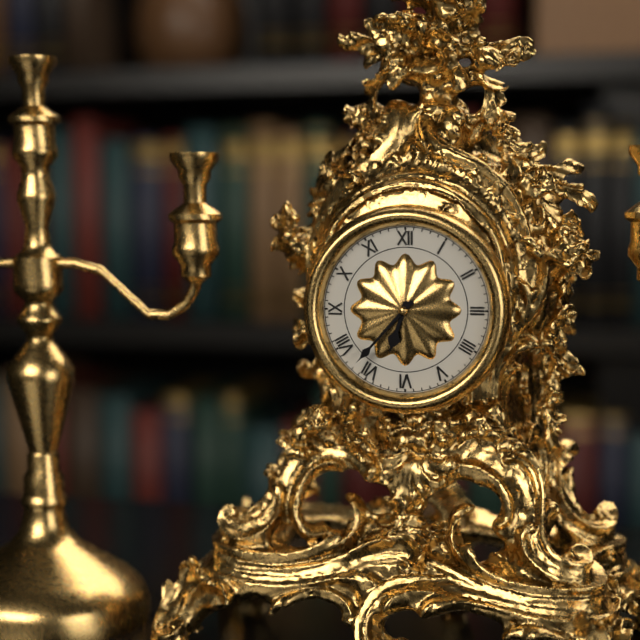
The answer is 6:37
